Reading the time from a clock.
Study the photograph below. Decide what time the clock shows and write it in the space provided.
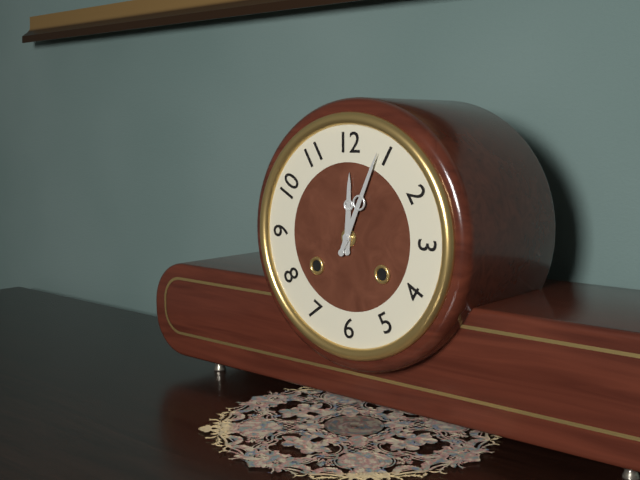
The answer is 12:04
